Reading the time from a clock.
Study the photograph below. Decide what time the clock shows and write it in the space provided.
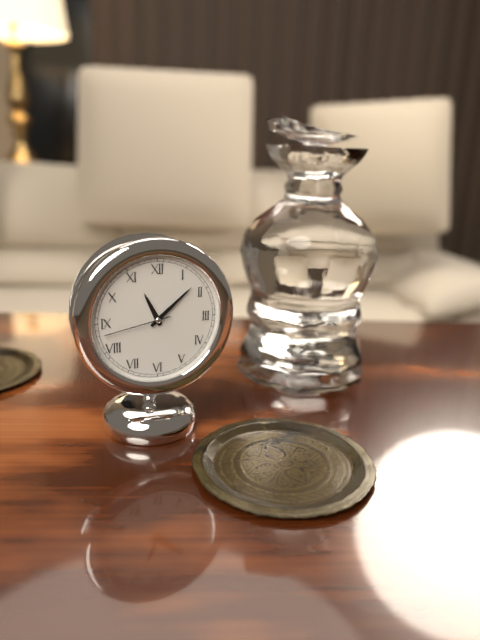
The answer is 11:08:43
